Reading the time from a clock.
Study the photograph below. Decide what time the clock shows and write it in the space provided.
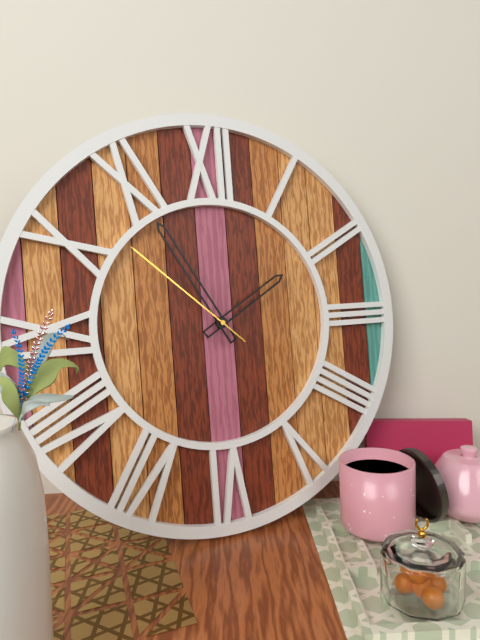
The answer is 1:55:52
